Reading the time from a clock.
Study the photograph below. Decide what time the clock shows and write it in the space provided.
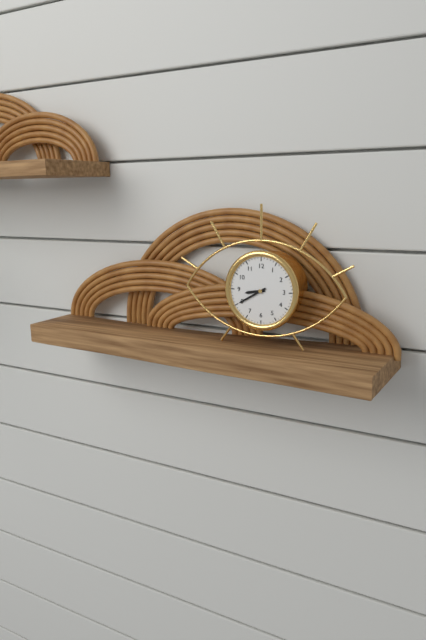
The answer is 8:40
